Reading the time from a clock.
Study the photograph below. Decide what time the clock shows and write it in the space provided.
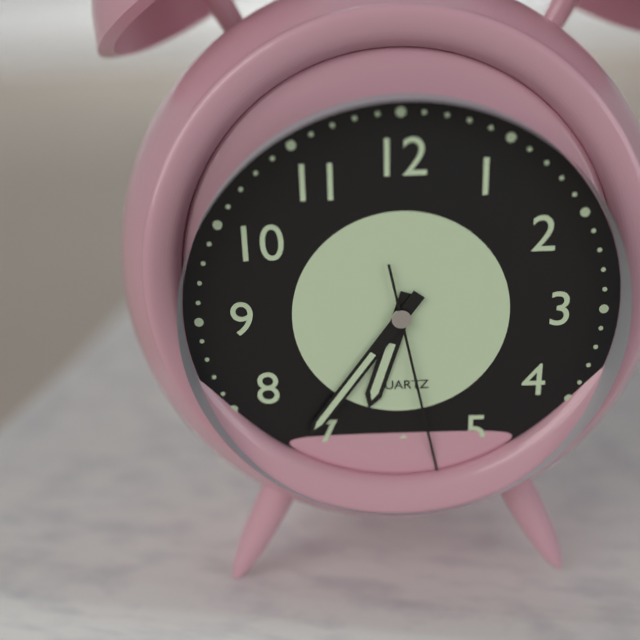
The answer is 6:36:28
